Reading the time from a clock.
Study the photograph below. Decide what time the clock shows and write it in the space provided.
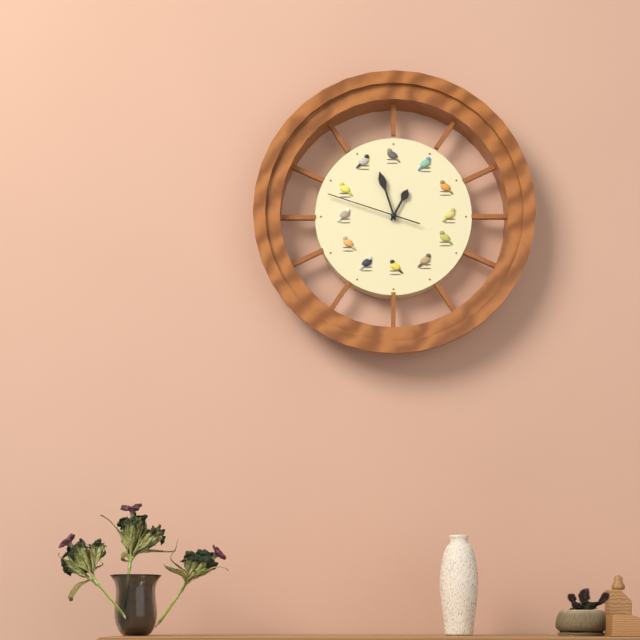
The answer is 12:57:48
